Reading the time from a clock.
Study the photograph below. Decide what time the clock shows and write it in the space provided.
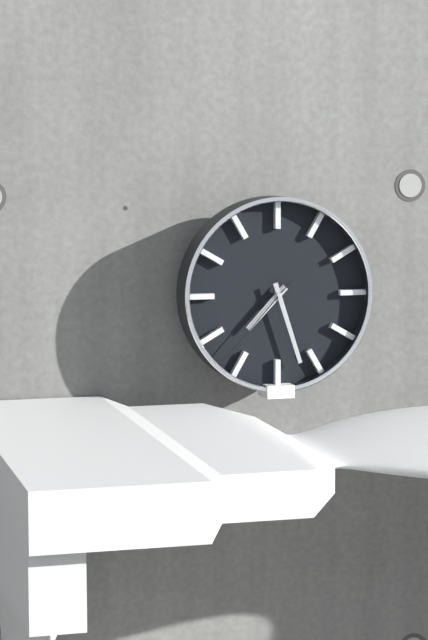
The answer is 7:27:37
